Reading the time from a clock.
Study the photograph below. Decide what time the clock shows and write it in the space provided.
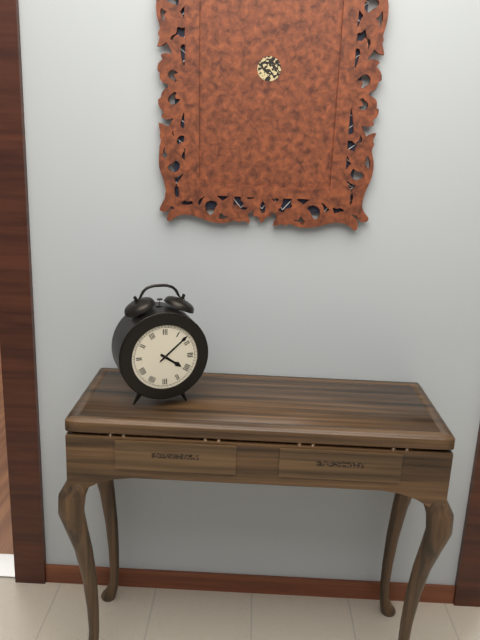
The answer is 4:08
